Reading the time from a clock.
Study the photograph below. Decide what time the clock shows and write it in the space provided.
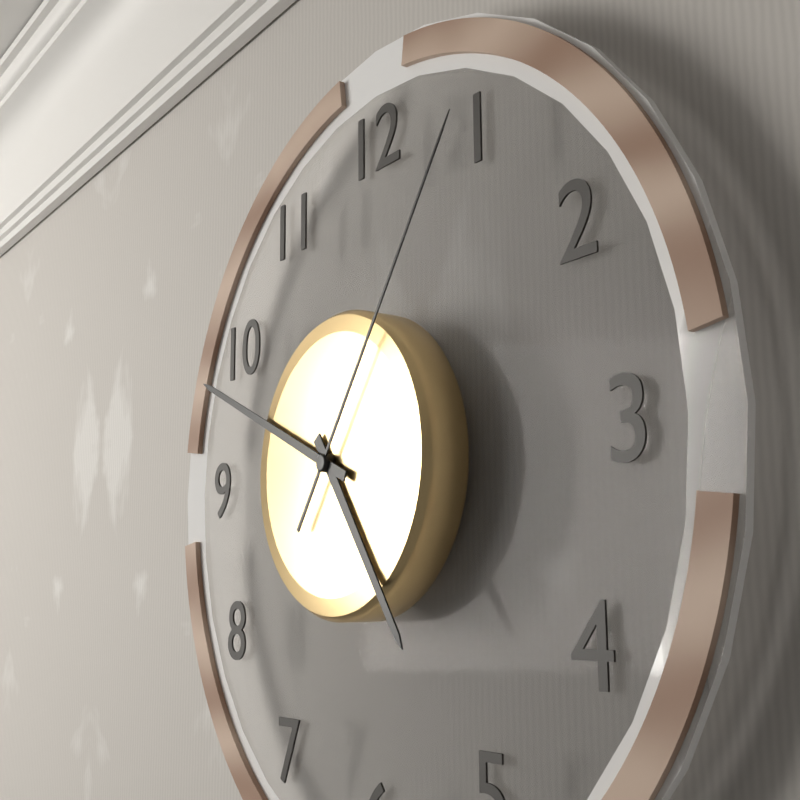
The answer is 4:49:06
